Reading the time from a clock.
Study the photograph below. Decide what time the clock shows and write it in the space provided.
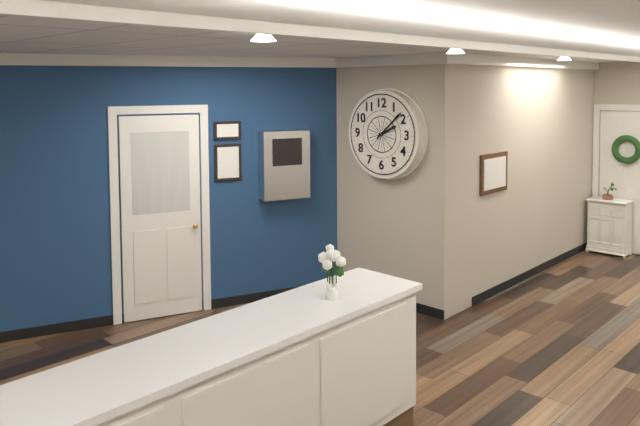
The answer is 2:08
